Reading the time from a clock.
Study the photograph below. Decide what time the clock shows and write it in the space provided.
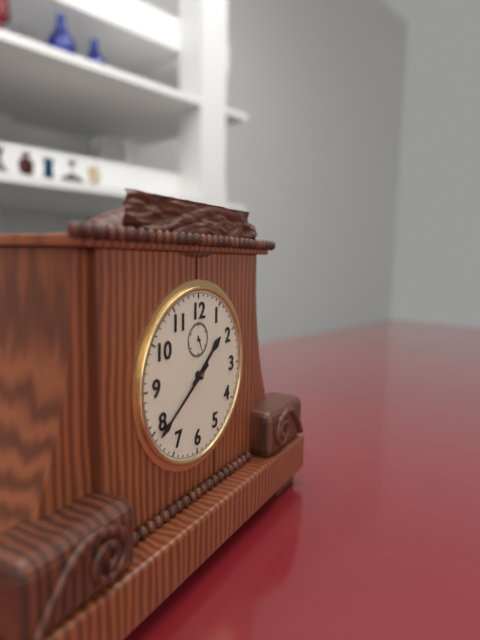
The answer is 1:39
